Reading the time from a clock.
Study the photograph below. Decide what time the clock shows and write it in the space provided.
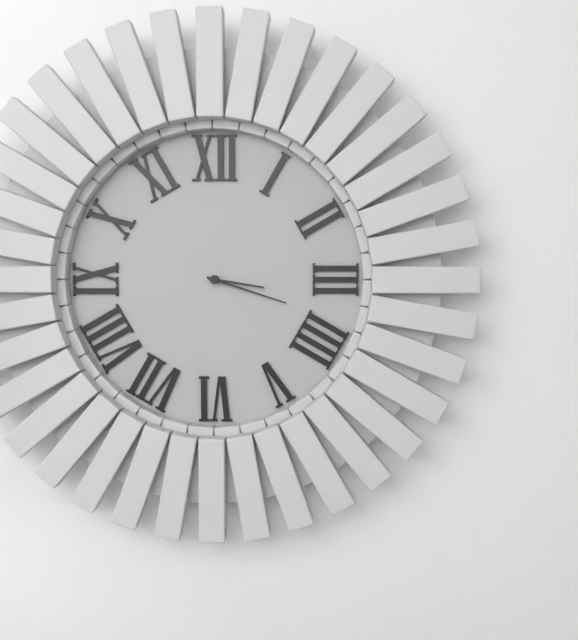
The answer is 3:18
